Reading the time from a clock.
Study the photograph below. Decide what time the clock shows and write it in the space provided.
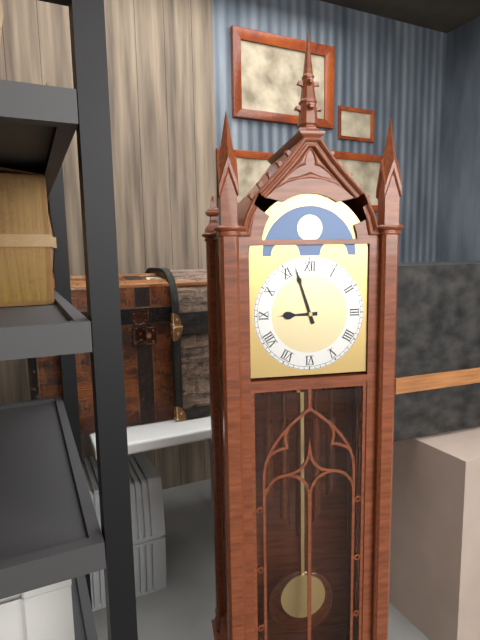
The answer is 8:57
